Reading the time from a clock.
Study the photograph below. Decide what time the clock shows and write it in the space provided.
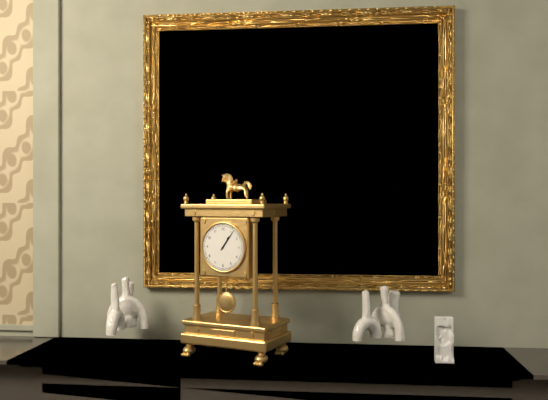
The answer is 1:06
